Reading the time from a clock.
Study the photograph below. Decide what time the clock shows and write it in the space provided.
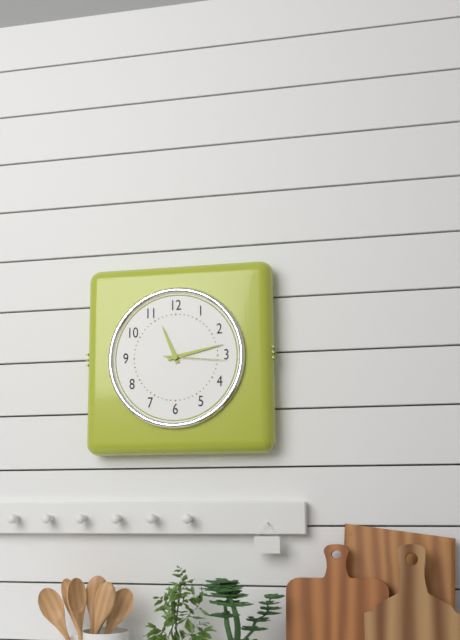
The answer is 11:13:16
